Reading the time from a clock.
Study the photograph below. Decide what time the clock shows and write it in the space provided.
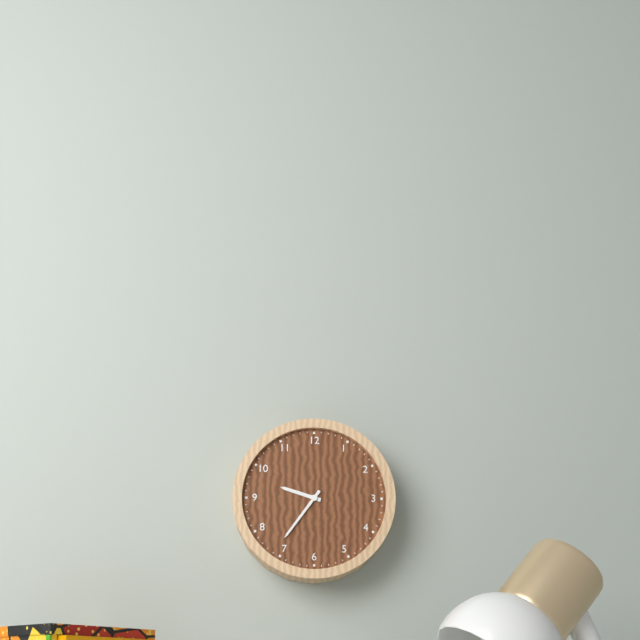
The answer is 9:36
